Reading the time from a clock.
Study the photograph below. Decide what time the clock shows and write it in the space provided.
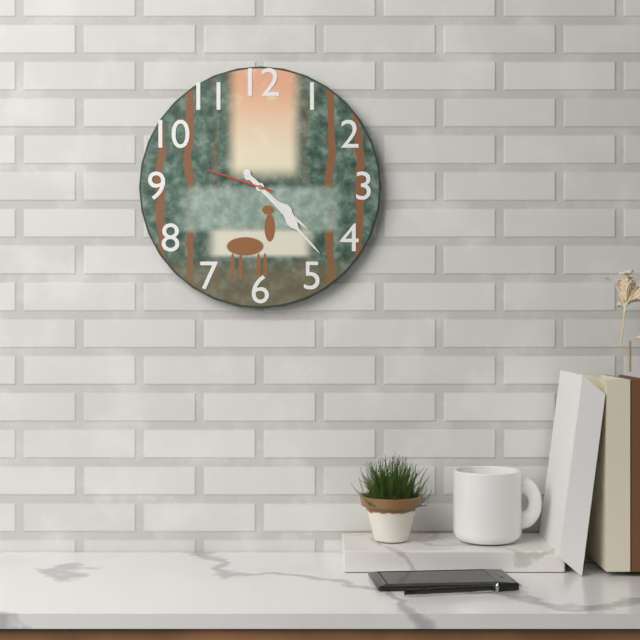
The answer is 4:23:48
